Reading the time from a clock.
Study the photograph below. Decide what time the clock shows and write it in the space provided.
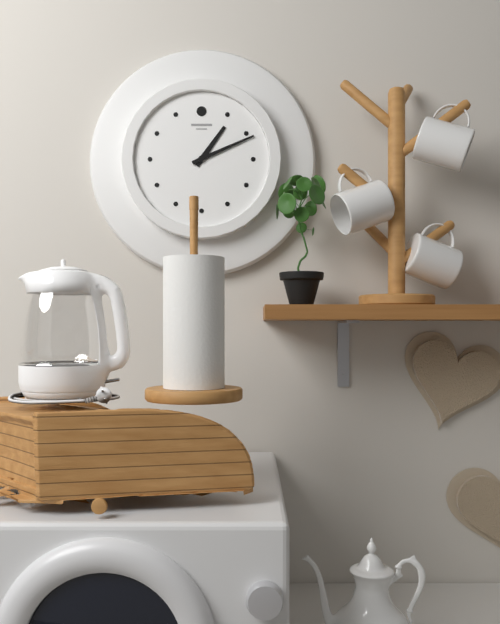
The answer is 1:11
